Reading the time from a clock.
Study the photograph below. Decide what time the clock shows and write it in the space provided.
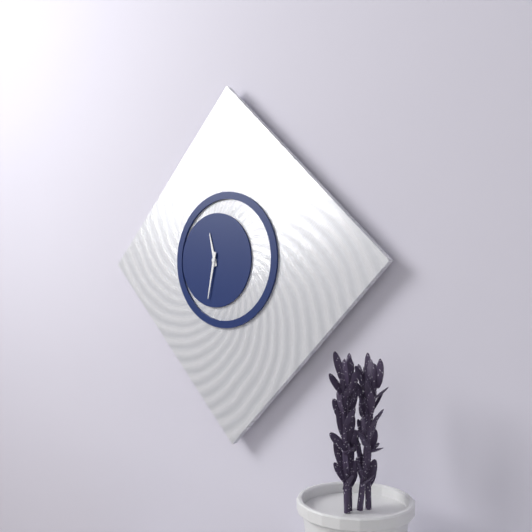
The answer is 11:32
